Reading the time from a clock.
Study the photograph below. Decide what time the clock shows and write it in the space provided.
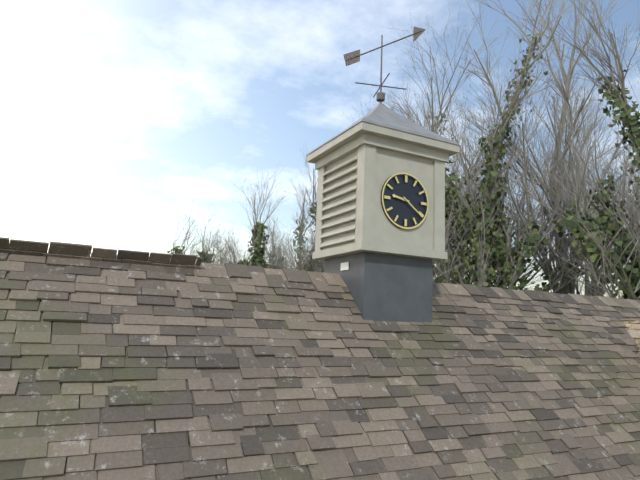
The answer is 9:21
